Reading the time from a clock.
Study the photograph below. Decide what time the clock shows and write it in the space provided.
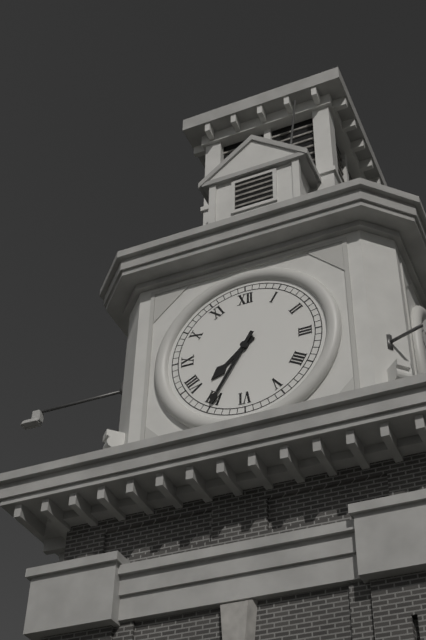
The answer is 7:35
